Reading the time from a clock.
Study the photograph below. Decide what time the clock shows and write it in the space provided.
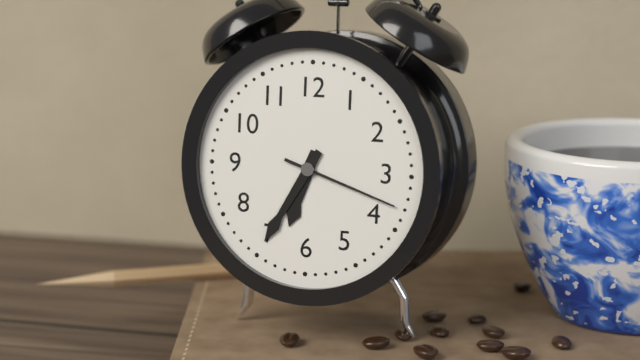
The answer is 6:35:18
